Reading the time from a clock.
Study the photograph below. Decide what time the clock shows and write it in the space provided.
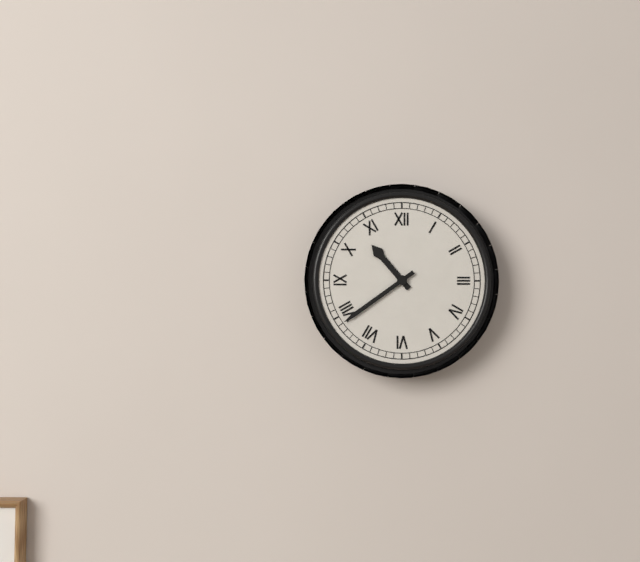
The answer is 10:39
